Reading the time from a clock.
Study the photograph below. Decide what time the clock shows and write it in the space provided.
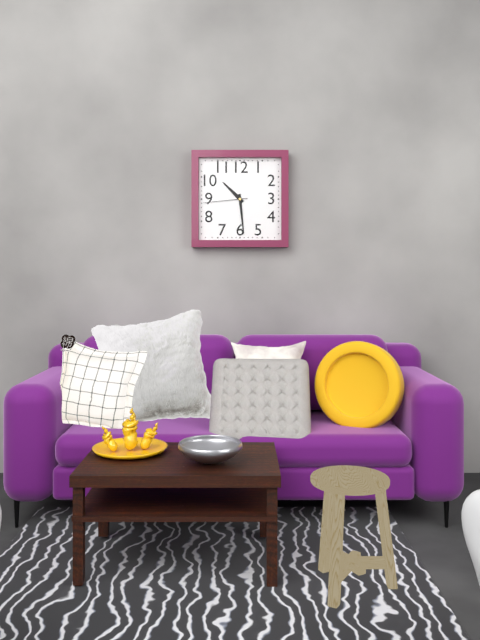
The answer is 10:29
